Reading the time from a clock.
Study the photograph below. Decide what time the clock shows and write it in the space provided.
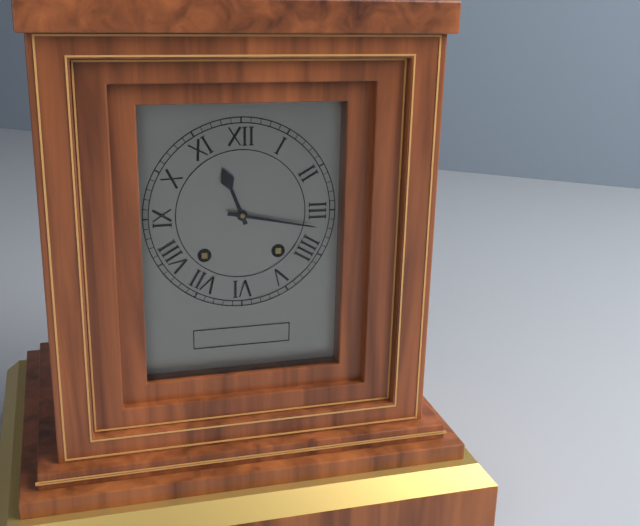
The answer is 11:17
